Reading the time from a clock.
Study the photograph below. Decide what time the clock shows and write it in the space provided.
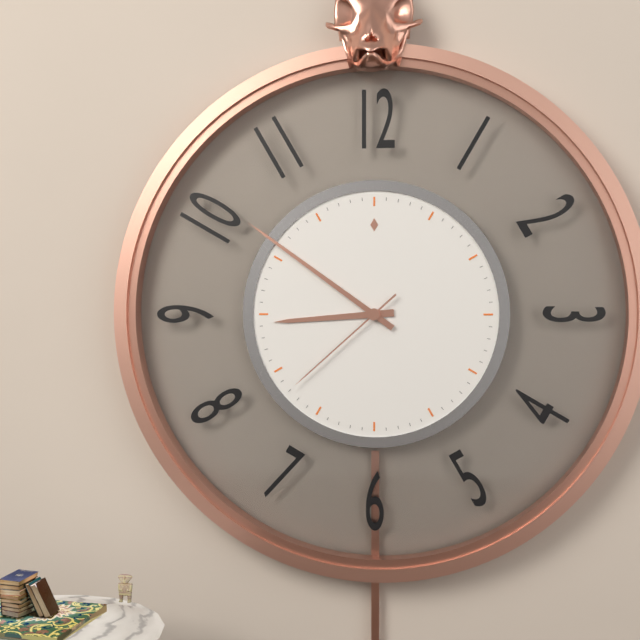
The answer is 8:51:38
